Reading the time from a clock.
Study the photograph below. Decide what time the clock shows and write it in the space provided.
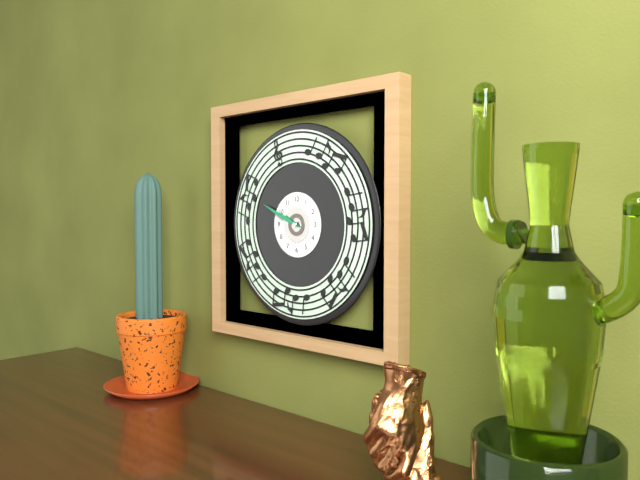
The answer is 9:49
